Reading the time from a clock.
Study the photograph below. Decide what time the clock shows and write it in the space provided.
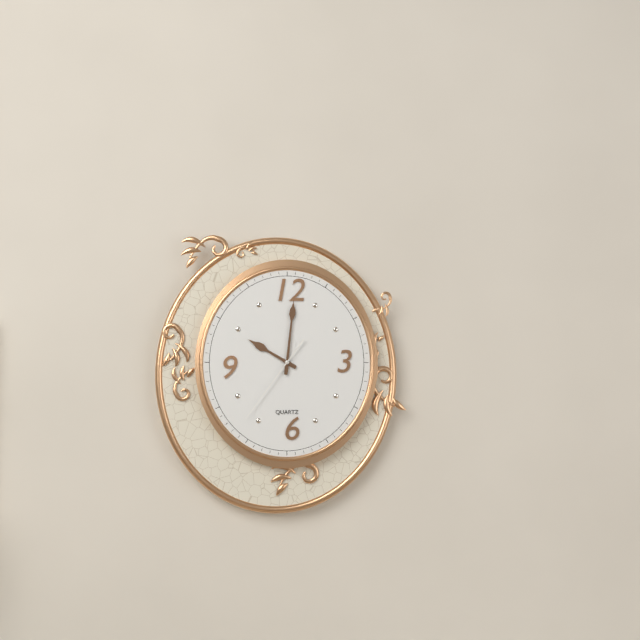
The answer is 10:01:36
